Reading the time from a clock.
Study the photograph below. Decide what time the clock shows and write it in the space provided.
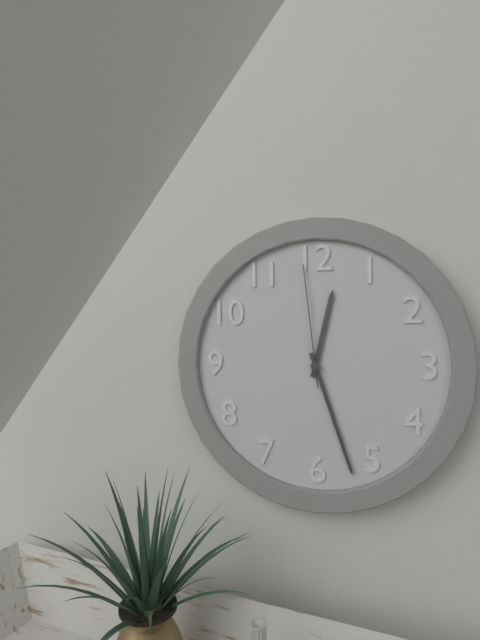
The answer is 12:27:59
